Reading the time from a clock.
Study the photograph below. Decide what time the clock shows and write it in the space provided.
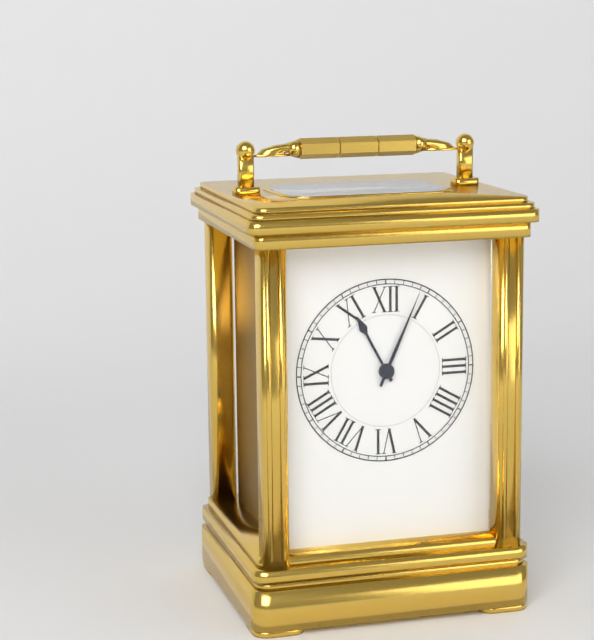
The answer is 11:04
